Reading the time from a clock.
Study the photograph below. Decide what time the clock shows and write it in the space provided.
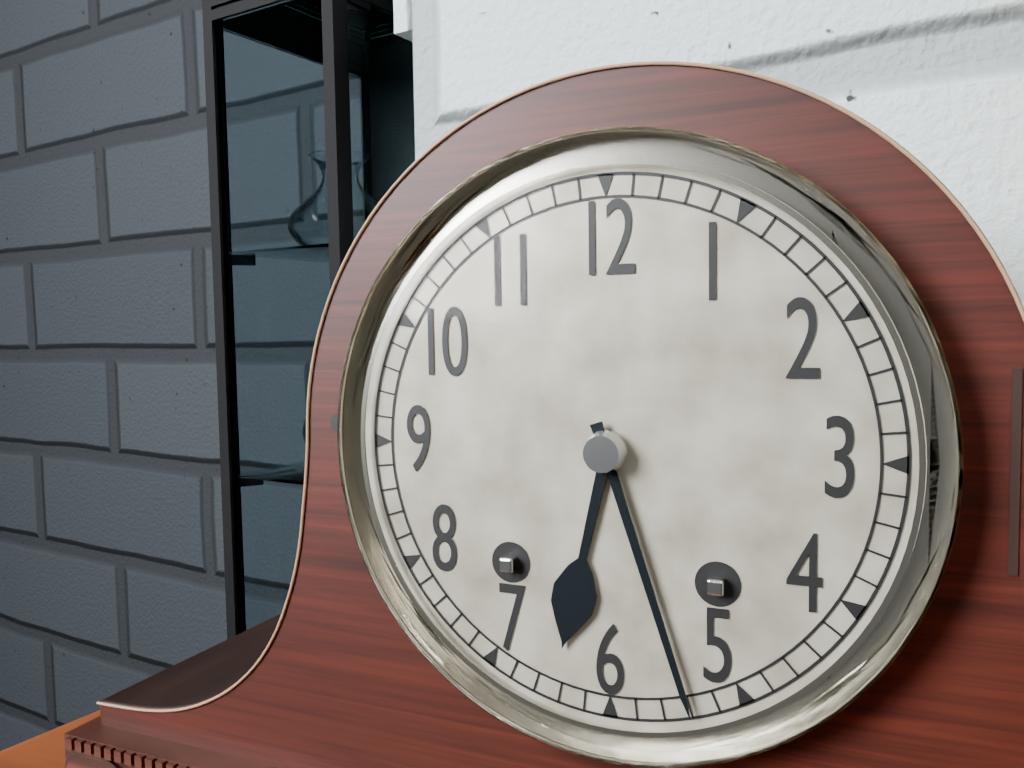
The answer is 6:27
